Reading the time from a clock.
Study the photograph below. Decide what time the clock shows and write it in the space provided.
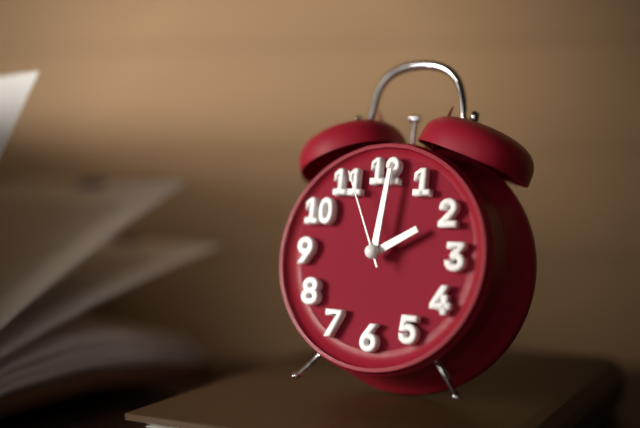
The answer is 2:01:56
